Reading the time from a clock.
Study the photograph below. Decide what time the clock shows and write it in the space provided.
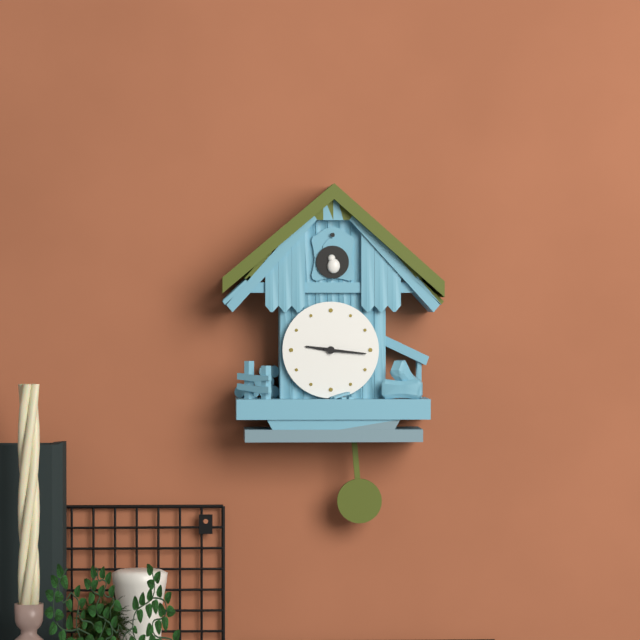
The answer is 9:16
